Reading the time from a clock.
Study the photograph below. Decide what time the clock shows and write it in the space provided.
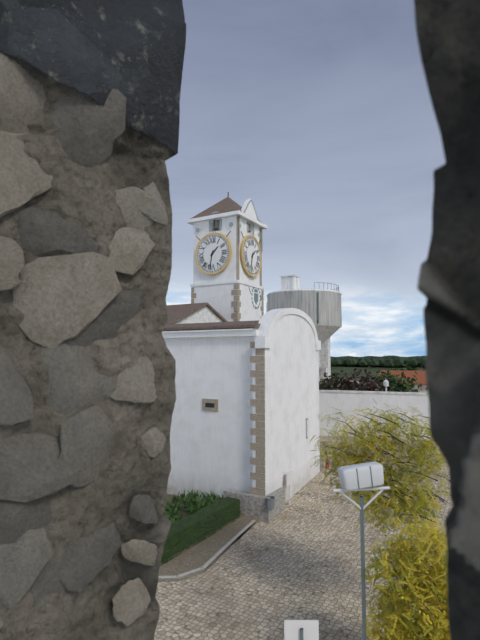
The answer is 1:32
